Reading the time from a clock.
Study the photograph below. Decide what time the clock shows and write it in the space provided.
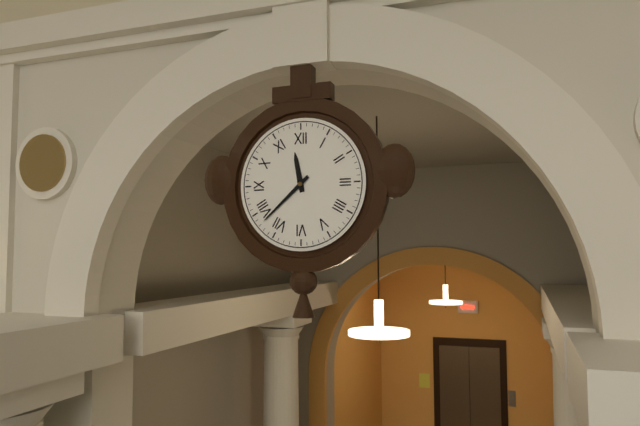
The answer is 11:38
